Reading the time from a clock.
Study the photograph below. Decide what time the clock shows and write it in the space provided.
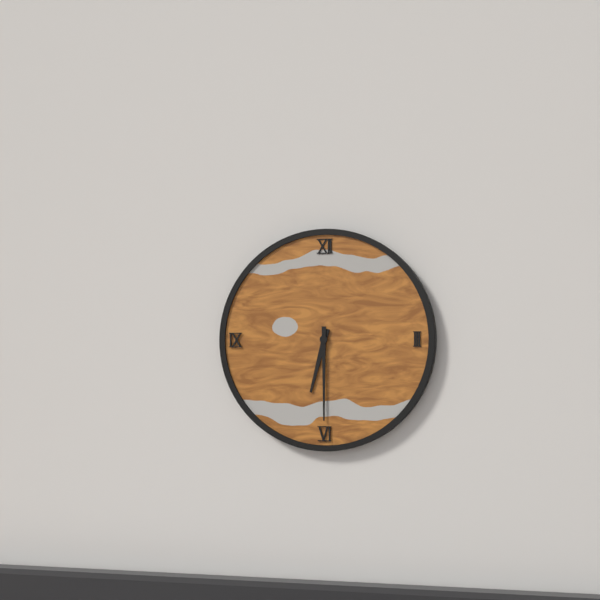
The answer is 6:30
